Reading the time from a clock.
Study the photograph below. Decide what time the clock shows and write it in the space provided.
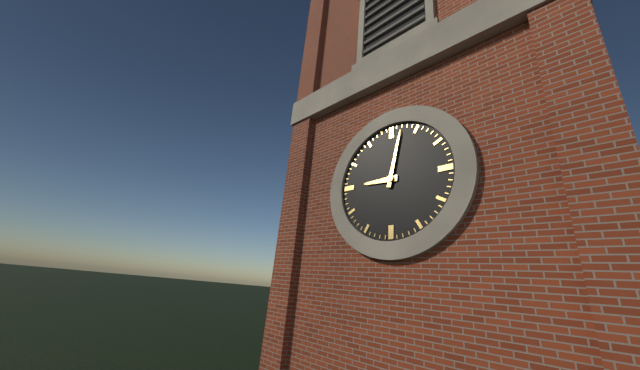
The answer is 9:02
